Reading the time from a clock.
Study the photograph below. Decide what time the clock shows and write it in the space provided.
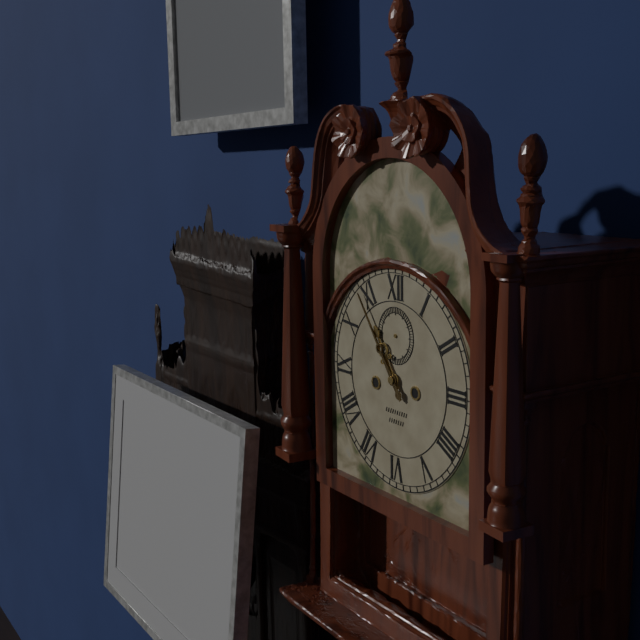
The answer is 10:54
